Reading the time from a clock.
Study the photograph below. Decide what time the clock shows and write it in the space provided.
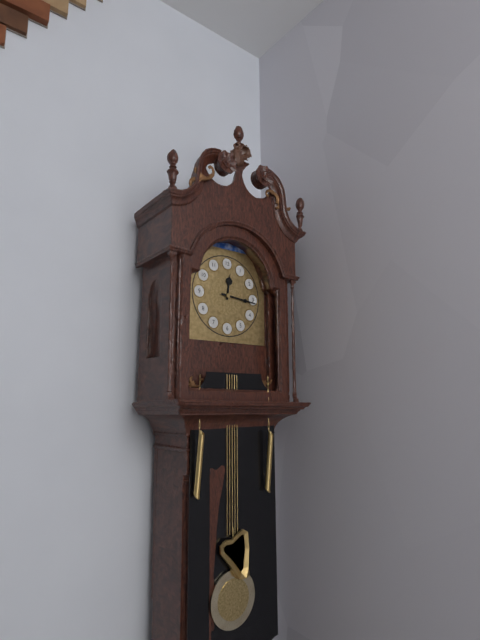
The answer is 12:16
